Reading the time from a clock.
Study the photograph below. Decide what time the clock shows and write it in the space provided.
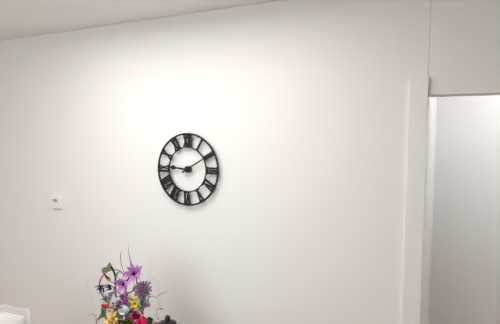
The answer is 9:10
